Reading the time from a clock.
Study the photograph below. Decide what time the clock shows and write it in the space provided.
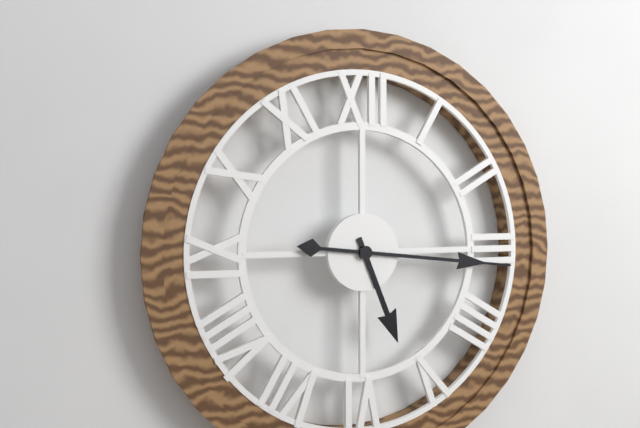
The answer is 5:16
